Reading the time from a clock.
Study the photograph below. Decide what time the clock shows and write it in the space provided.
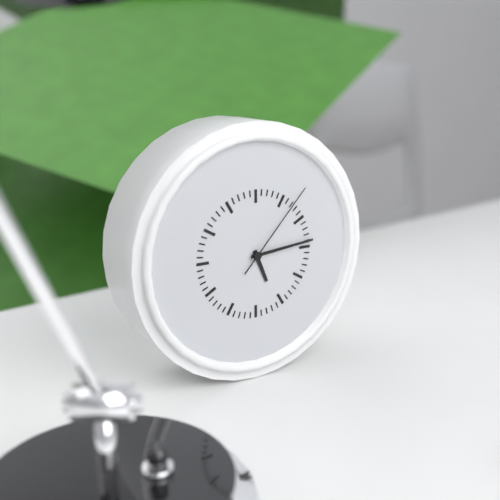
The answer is 5:14:07
